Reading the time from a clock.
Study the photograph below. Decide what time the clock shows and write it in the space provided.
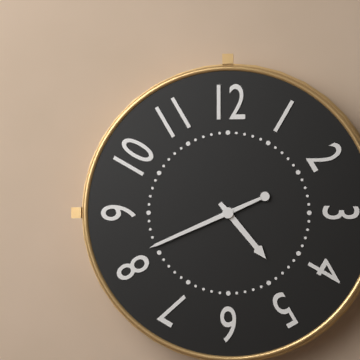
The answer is 4:41
